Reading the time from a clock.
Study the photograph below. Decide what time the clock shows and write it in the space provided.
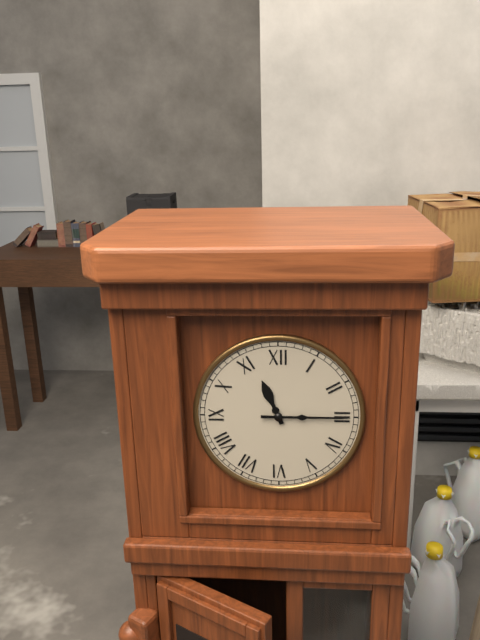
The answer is 11:15
